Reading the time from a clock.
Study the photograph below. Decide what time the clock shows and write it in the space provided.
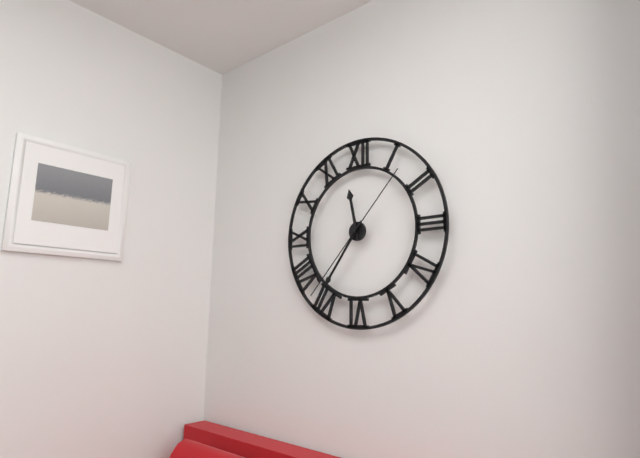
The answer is 11:36:37
